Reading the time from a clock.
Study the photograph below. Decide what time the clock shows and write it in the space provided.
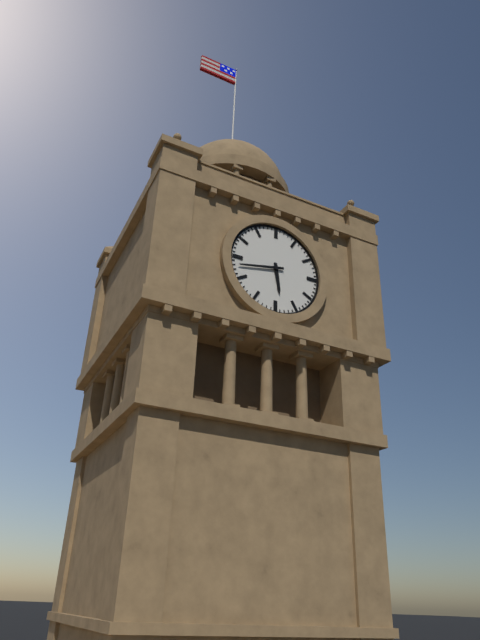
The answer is 5:43
